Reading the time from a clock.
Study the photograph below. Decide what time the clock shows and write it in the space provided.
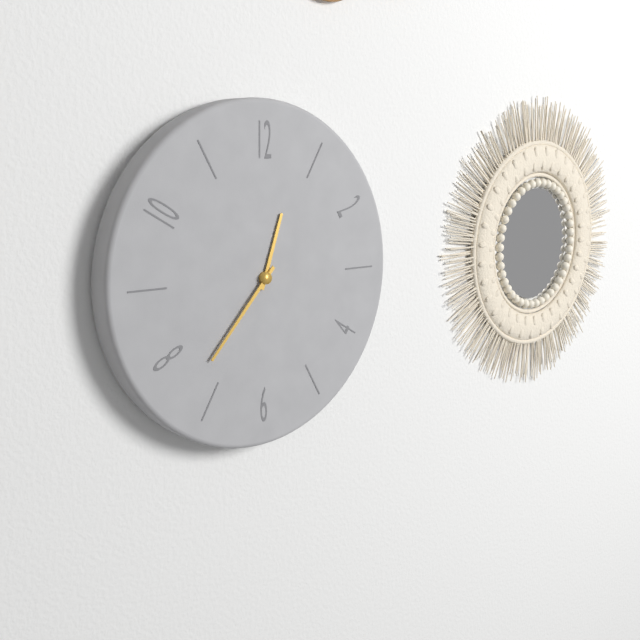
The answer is 12:37
